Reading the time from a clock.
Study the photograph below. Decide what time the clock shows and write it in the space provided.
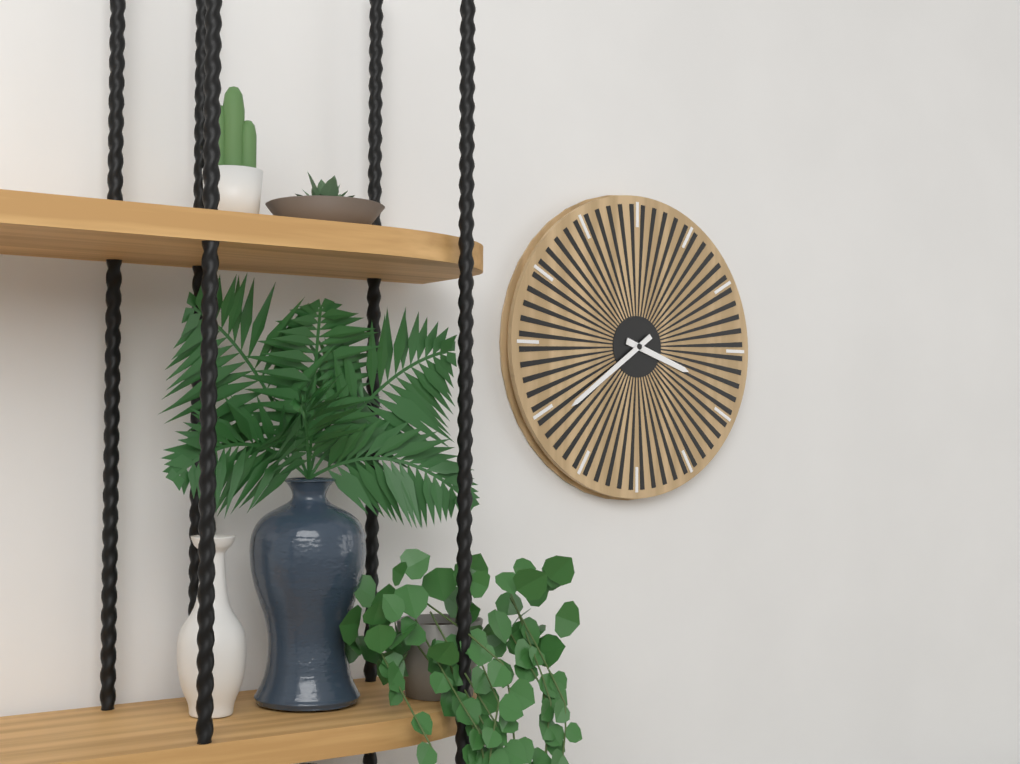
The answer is 3:39
